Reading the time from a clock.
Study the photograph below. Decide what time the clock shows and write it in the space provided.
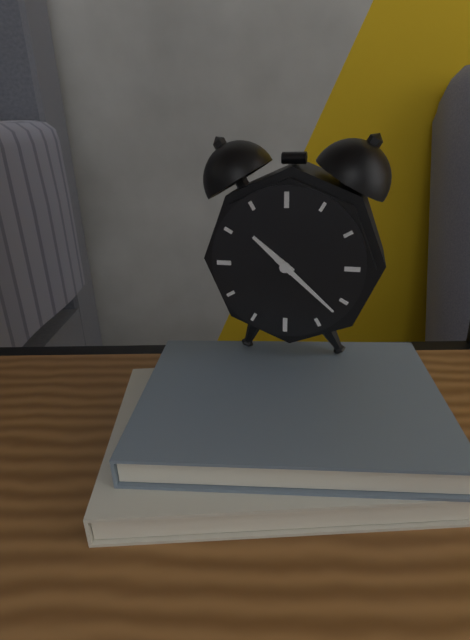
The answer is 10:22
